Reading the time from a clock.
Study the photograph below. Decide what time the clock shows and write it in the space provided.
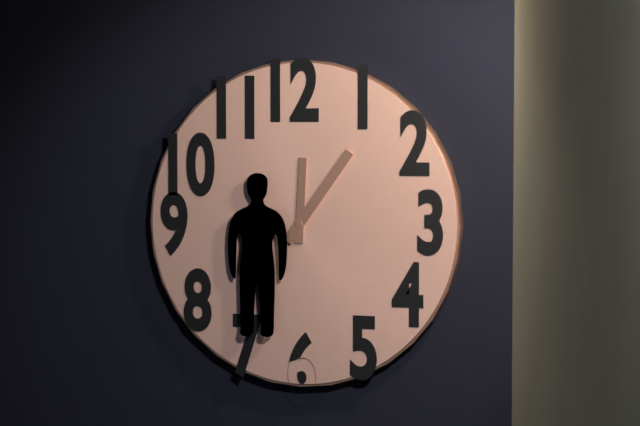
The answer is 12:06
